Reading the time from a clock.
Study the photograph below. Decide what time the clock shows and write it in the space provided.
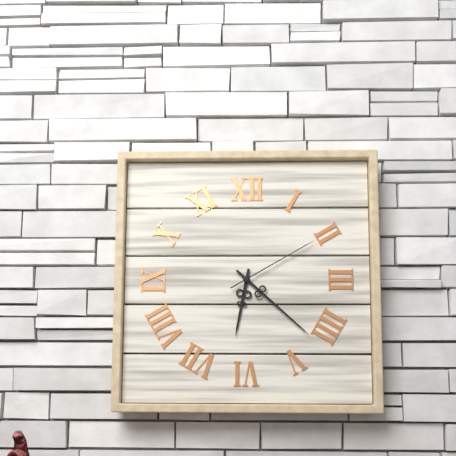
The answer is 6:22:10
